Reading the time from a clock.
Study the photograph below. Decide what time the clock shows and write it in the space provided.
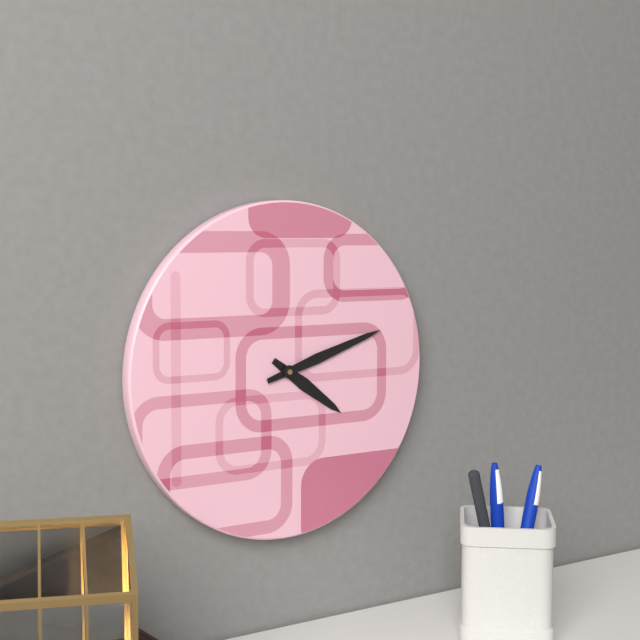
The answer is 4:12
